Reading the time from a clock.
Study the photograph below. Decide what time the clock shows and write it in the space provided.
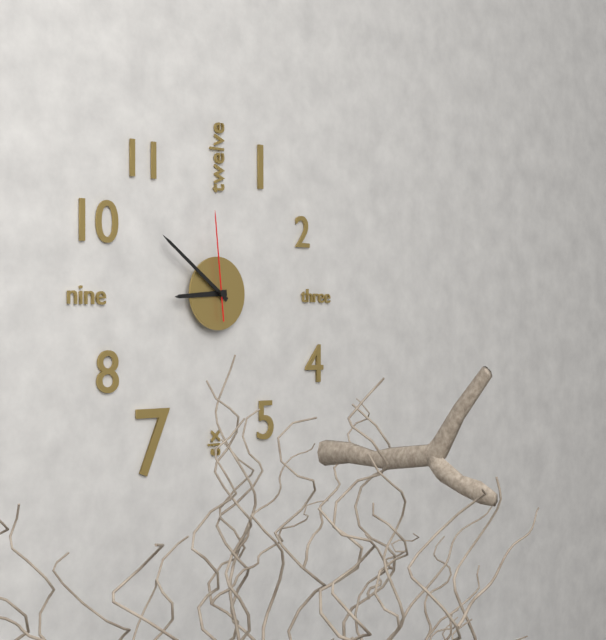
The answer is 8:51:59
